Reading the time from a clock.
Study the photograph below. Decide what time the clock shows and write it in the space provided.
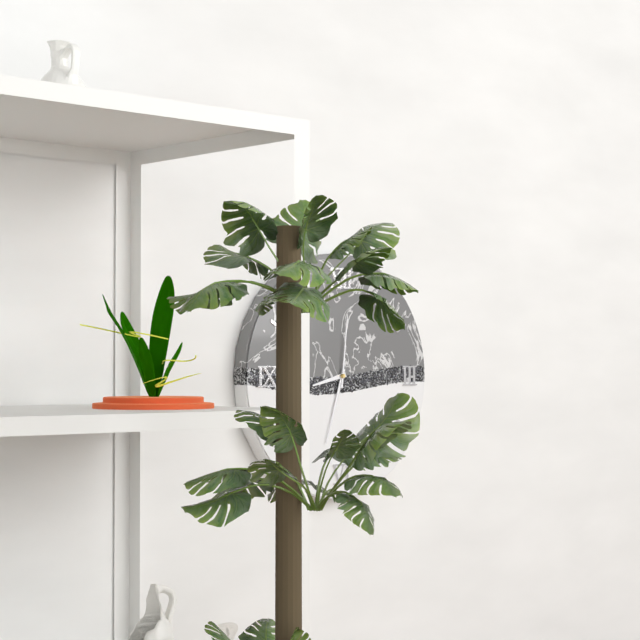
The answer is 8:33:01
